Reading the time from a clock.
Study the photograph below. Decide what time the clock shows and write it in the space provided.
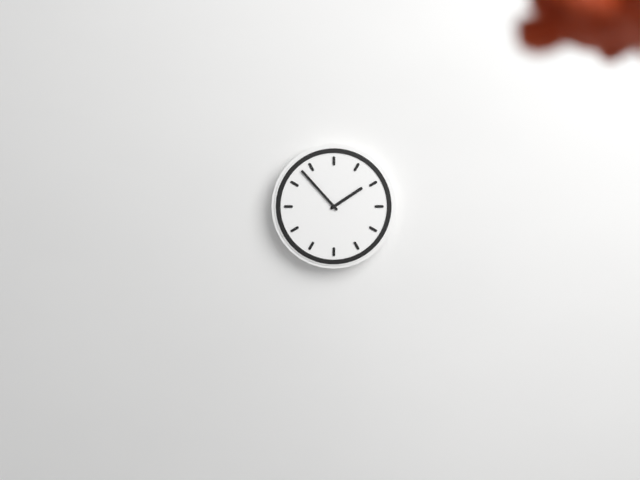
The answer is 1:53
